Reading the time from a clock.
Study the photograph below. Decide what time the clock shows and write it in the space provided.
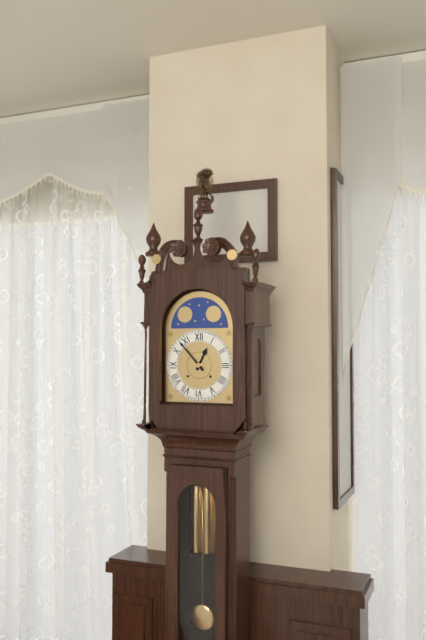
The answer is 12:53
